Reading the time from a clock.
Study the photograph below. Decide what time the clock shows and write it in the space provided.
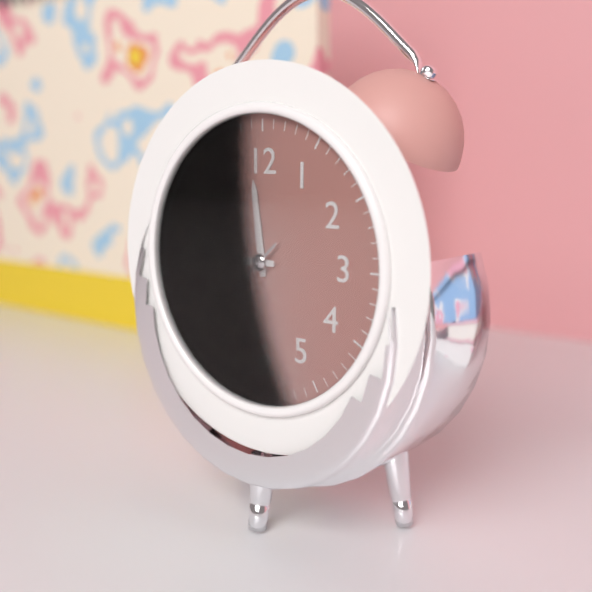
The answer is 11:45:38
